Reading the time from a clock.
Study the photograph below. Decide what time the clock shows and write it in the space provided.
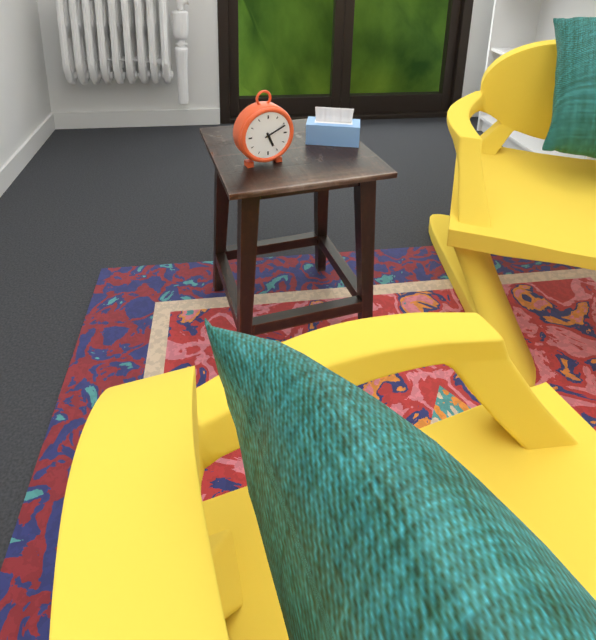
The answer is 5:11
